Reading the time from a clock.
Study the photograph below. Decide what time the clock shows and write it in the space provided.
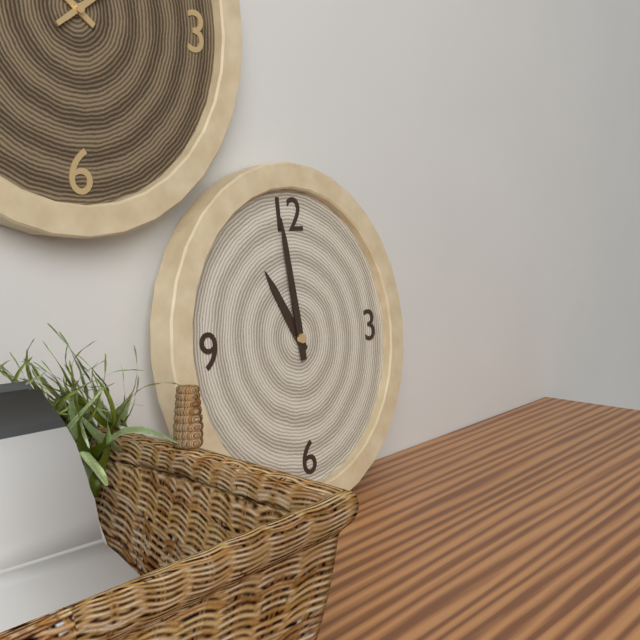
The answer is 10:59
